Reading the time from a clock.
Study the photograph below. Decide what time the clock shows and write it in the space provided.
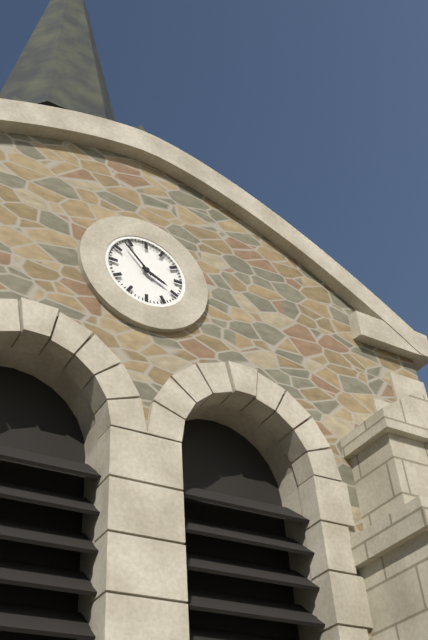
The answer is 3:53
